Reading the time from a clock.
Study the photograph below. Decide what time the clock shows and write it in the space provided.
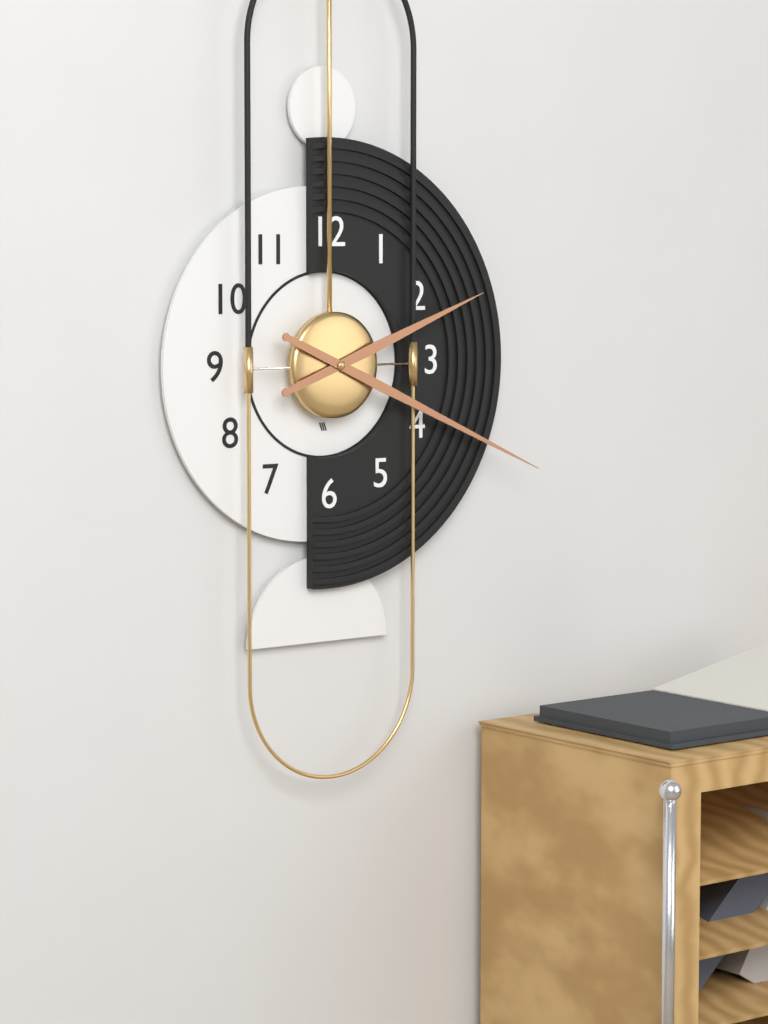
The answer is 2:19
